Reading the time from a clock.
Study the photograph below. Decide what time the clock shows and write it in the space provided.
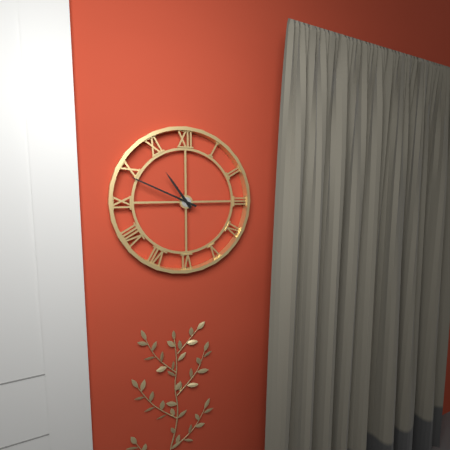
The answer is 10:49
